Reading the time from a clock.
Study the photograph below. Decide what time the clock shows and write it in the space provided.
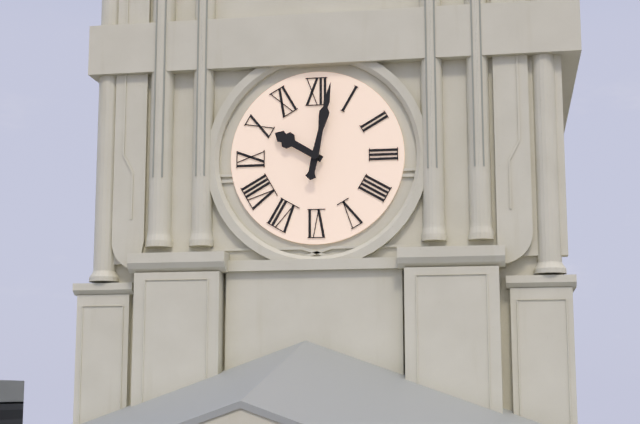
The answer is 10:02
